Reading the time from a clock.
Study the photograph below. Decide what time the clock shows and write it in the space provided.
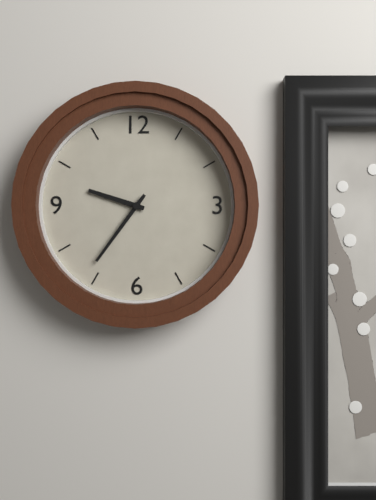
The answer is 9:36
